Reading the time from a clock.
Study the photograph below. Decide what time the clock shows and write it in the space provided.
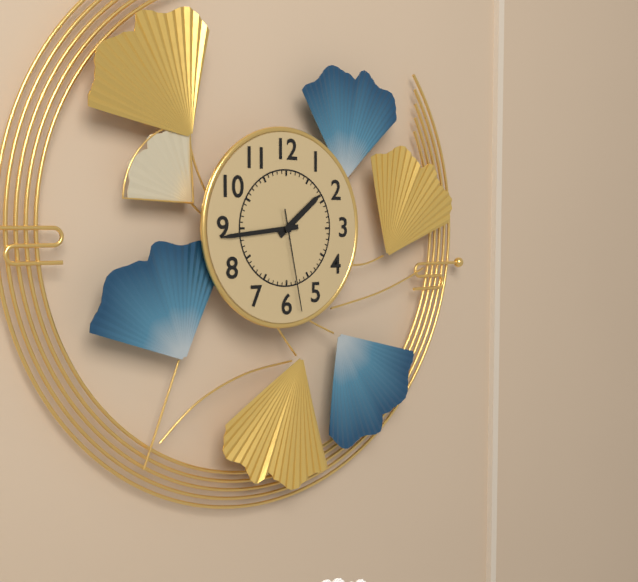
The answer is 1:44:28
